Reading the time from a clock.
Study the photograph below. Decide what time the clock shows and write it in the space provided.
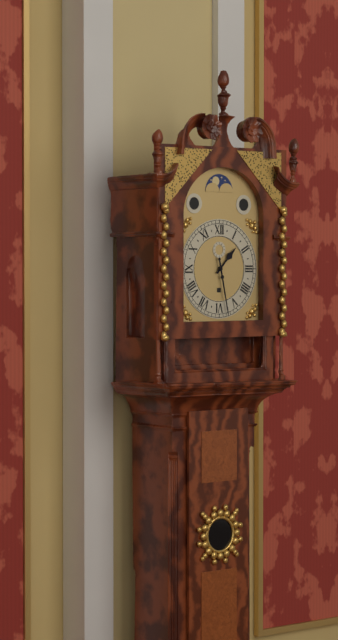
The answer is 1:28
